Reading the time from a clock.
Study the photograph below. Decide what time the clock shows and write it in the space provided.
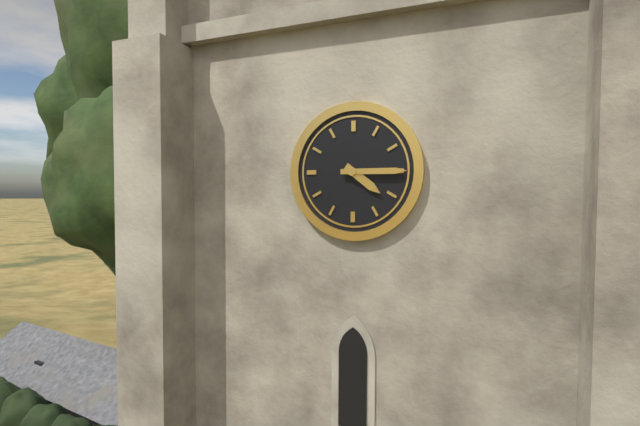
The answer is 4:15
